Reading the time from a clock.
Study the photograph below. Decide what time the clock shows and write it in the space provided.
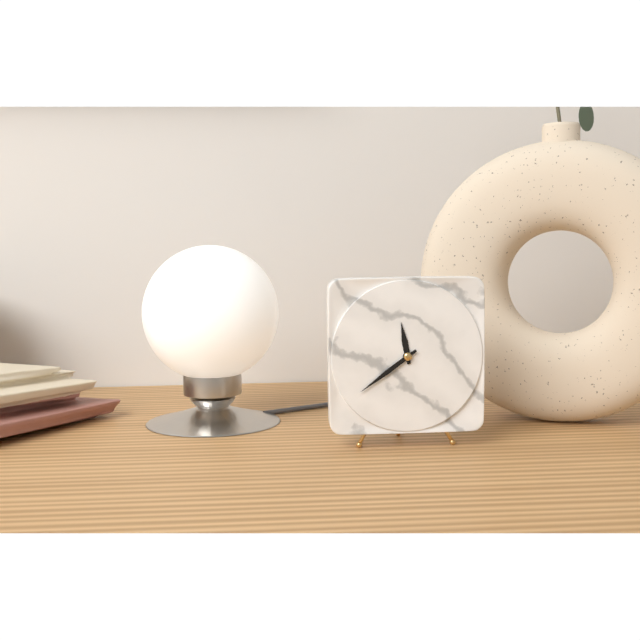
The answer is 11:39
